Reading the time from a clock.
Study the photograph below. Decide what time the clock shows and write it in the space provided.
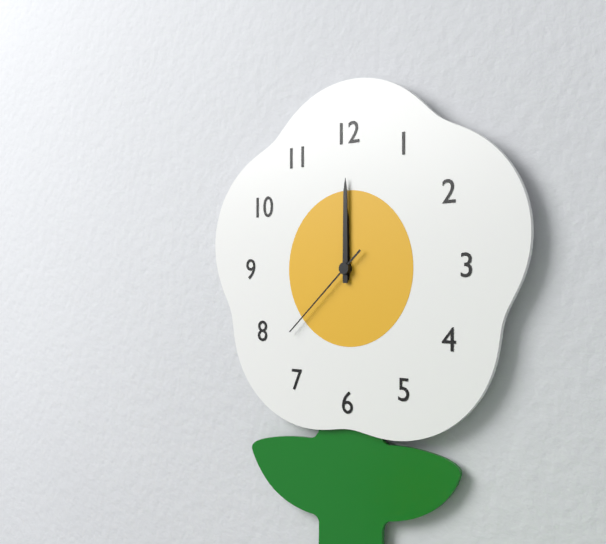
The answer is 12:00:38
